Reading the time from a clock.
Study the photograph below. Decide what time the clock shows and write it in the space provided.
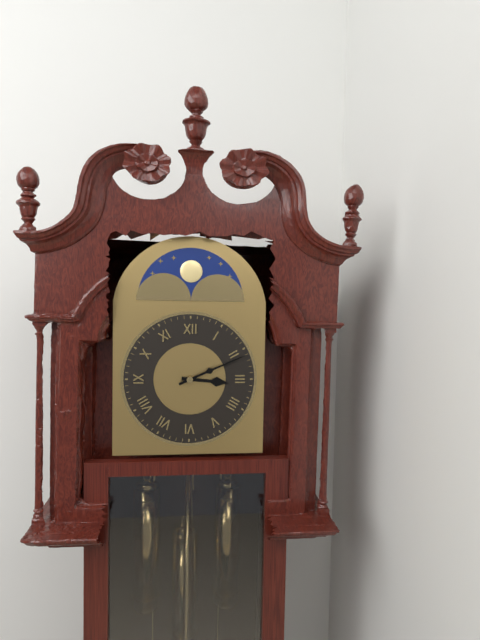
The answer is 3:11
